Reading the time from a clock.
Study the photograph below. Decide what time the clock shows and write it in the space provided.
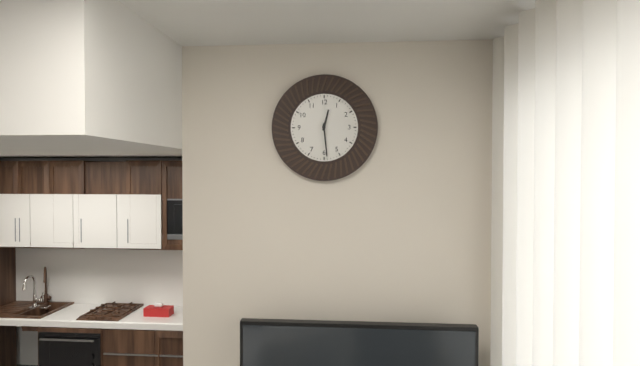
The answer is 12:29
